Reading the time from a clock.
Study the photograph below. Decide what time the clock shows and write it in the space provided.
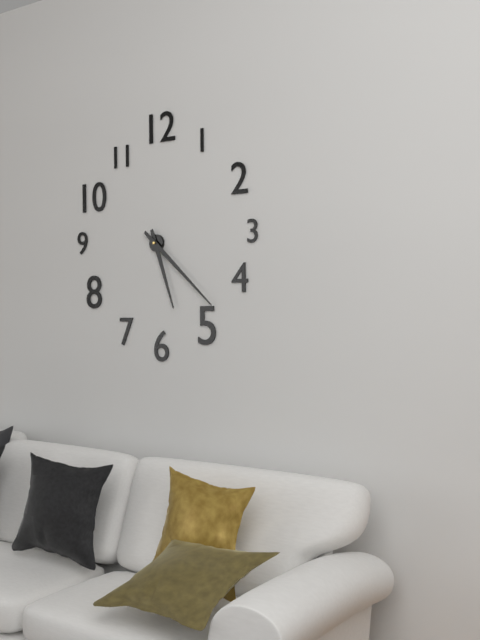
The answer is 5:22
